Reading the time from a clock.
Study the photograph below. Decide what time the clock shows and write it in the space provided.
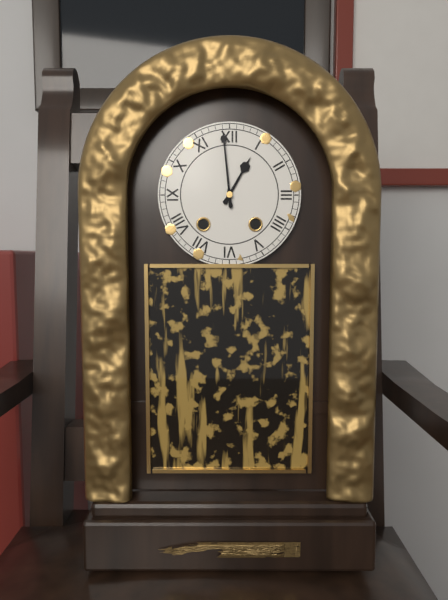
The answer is 12:59
